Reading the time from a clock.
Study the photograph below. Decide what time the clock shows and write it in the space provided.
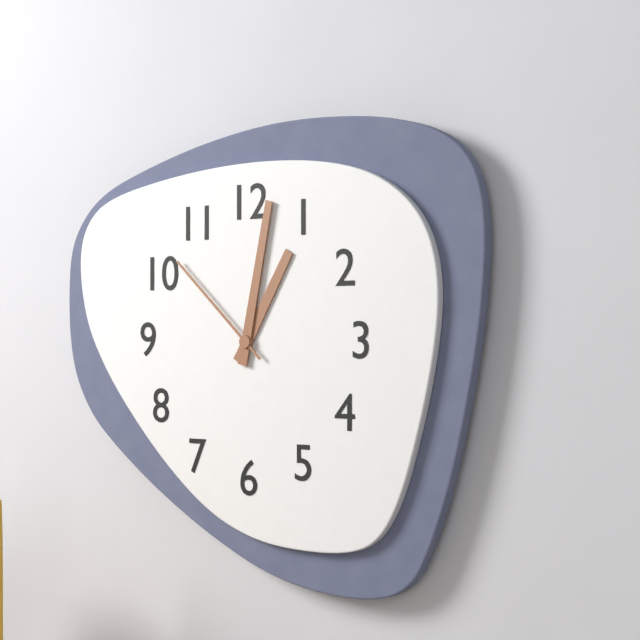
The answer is 1:02:52
